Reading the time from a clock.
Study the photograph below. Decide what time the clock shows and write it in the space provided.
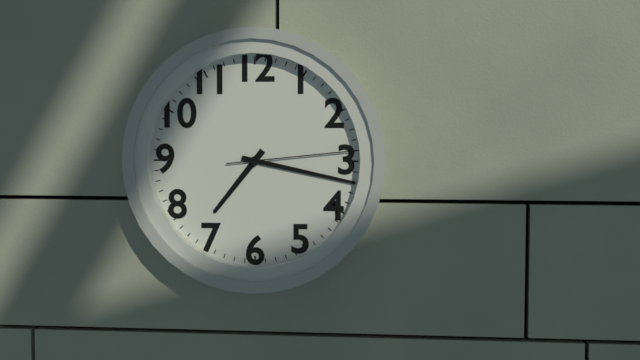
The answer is 7:17:14
